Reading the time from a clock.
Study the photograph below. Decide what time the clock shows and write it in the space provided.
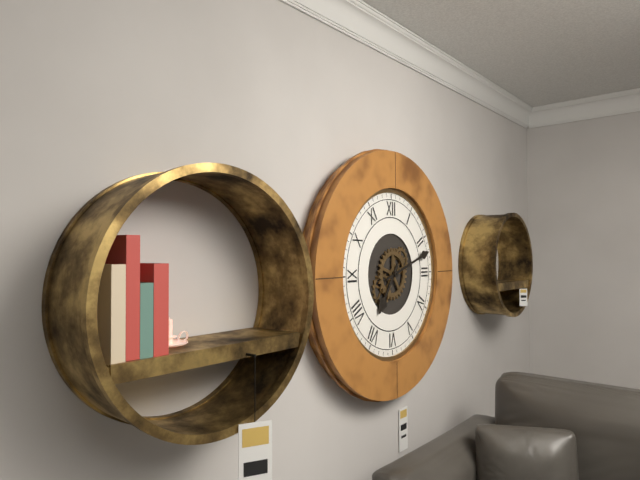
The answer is 7:12
